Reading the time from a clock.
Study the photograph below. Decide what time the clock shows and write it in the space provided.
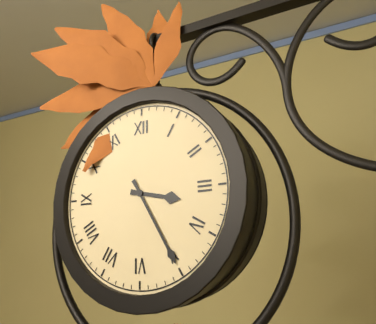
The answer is 3:25
